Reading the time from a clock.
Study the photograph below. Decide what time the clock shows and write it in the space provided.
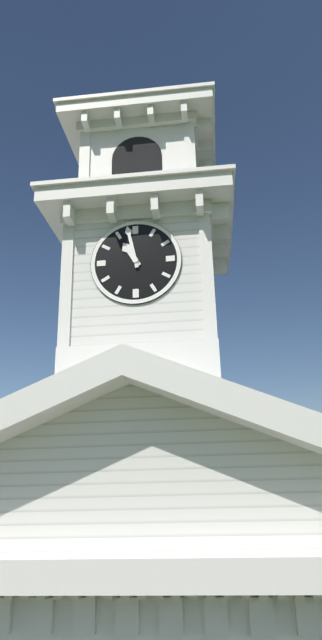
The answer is 10:58
